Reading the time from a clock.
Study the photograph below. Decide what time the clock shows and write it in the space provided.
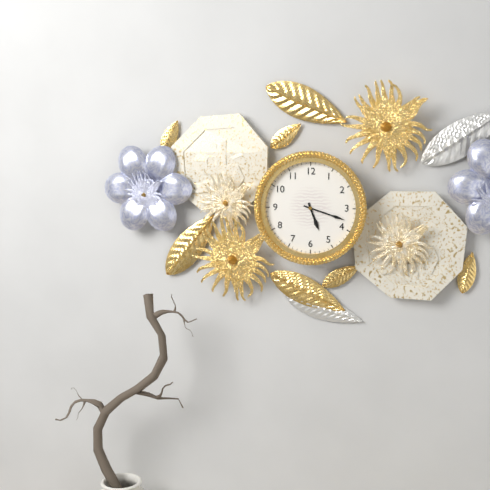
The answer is 5:18
